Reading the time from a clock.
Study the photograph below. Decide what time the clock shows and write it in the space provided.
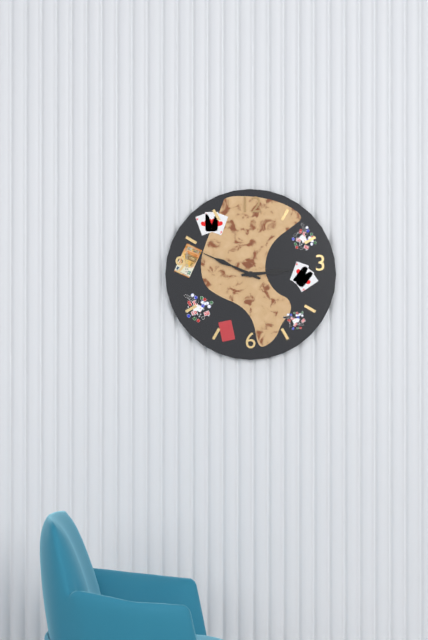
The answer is 2:49
